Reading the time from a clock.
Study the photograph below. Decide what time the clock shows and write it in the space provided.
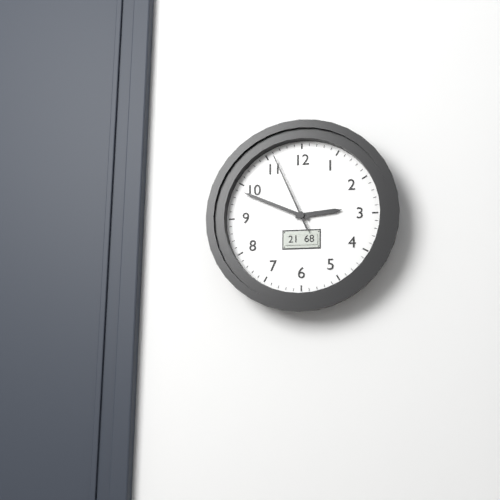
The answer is 2:49:56
